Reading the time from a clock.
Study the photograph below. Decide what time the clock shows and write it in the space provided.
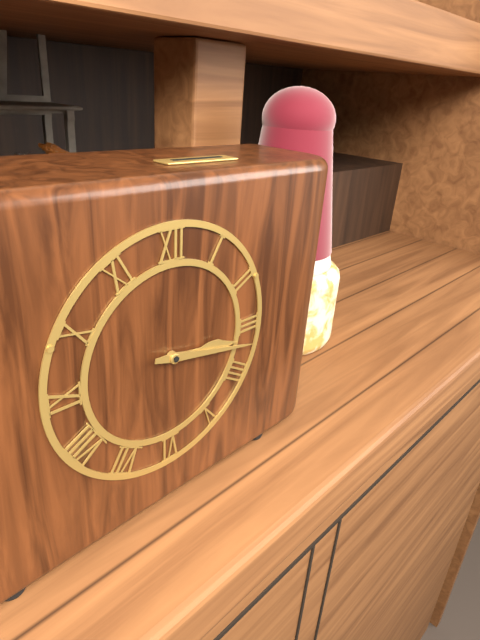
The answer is 3:17
